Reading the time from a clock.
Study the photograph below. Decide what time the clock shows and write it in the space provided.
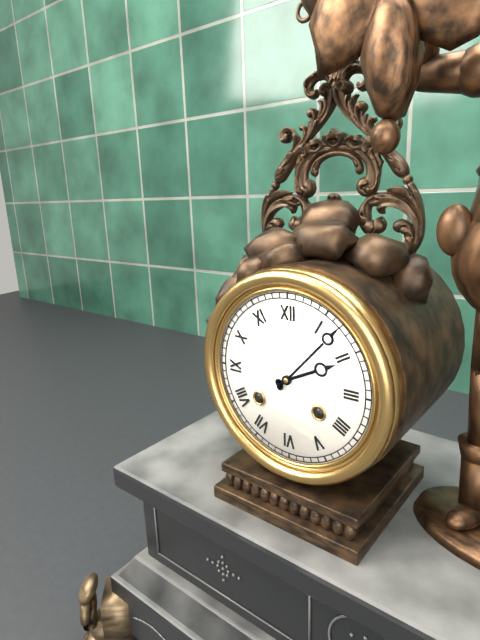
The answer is 2:07
